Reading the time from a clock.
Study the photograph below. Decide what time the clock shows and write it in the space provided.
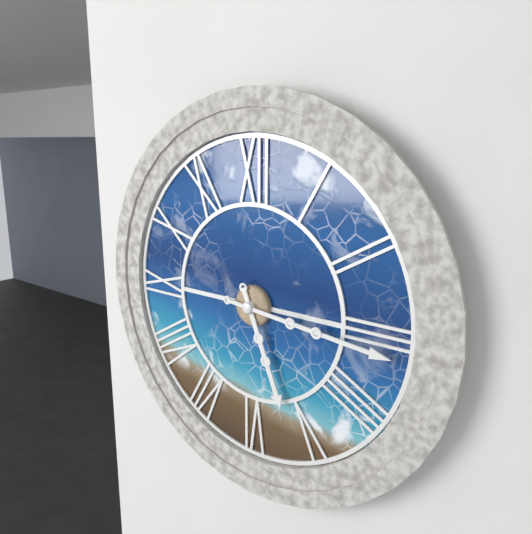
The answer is 5:16
